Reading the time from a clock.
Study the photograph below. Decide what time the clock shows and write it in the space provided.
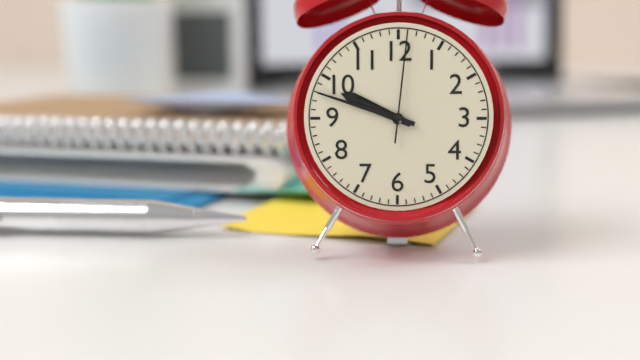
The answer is 9:48:01
